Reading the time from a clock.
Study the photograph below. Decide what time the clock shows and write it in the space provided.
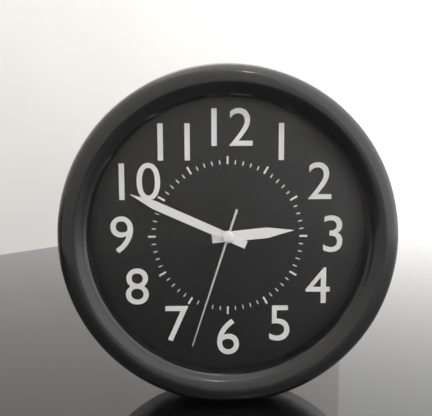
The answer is 2:49:33
